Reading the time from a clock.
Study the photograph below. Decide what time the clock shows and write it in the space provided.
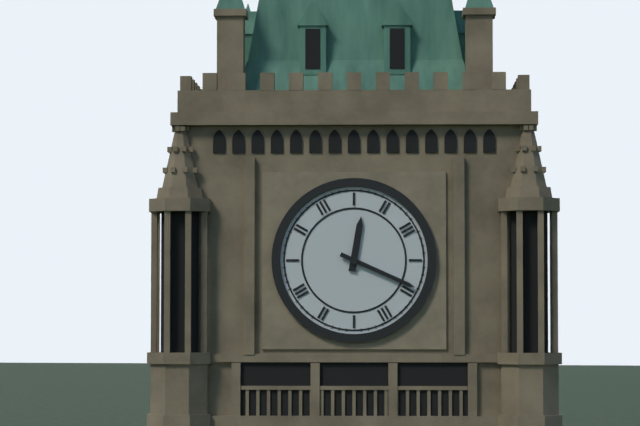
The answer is 12:19
